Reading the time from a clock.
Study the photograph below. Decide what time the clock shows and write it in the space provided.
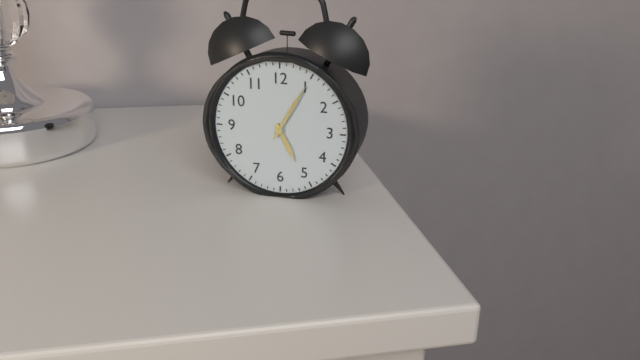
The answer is 5:05
